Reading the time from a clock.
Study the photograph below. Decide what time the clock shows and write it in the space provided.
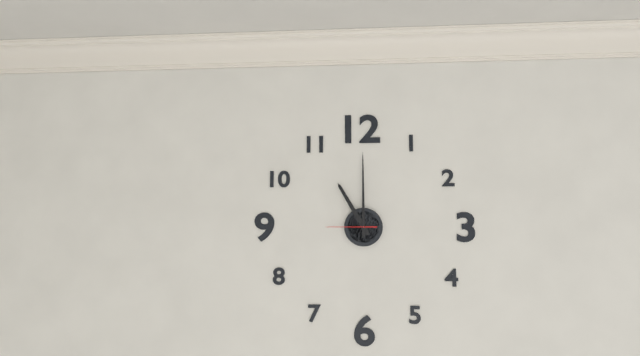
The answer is 11:00
